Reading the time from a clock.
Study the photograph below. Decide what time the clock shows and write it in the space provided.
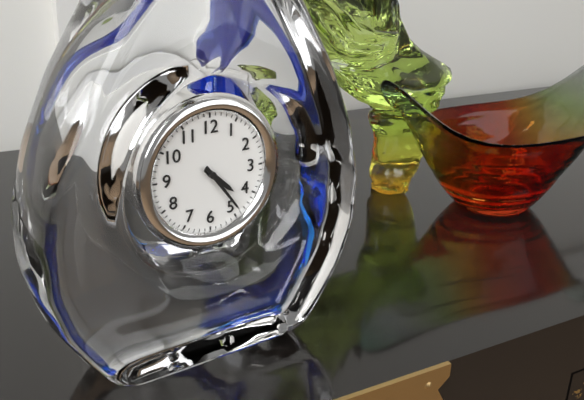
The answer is 4:24
